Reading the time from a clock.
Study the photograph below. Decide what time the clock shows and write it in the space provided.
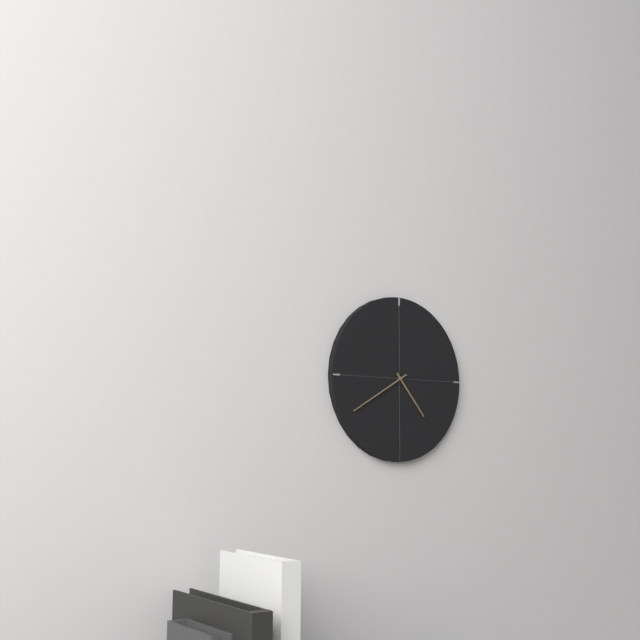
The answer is 4:40
